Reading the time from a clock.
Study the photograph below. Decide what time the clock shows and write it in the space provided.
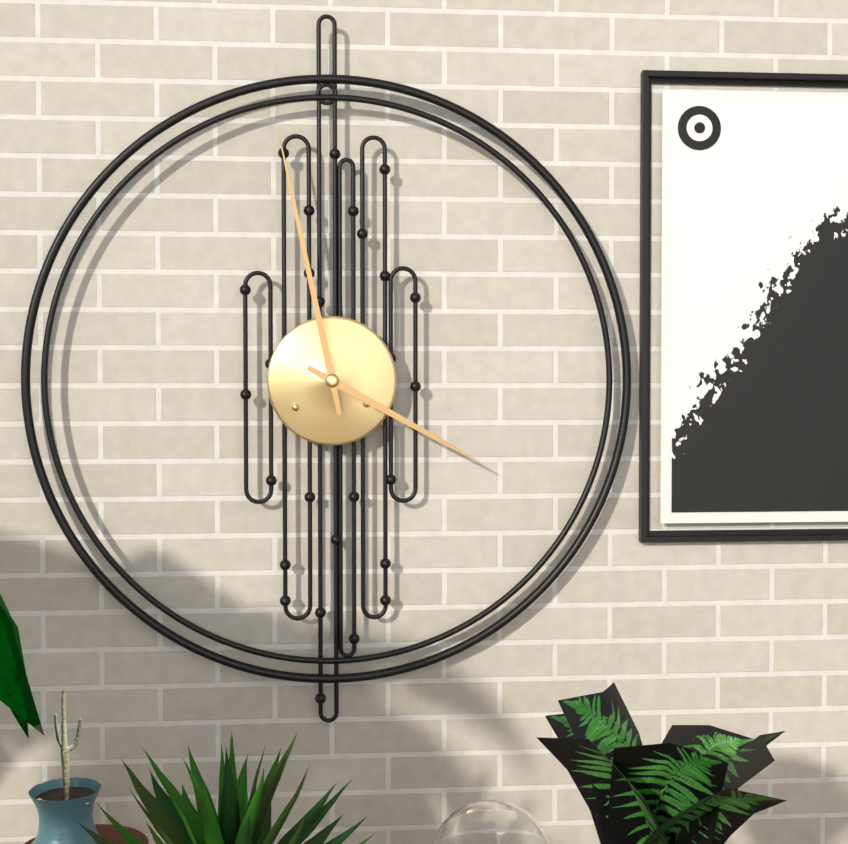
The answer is 3:58
